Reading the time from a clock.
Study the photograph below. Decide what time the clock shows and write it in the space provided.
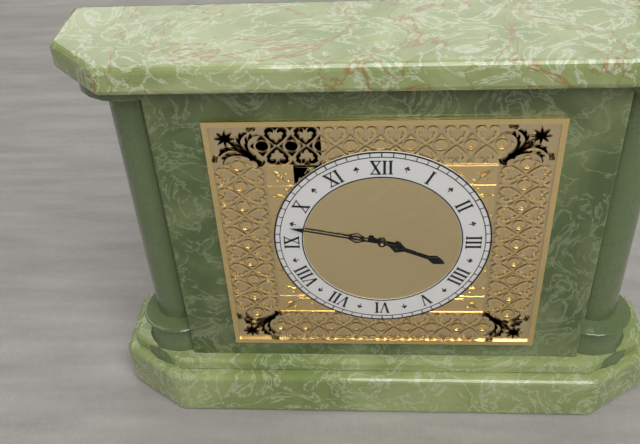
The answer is 3:47
